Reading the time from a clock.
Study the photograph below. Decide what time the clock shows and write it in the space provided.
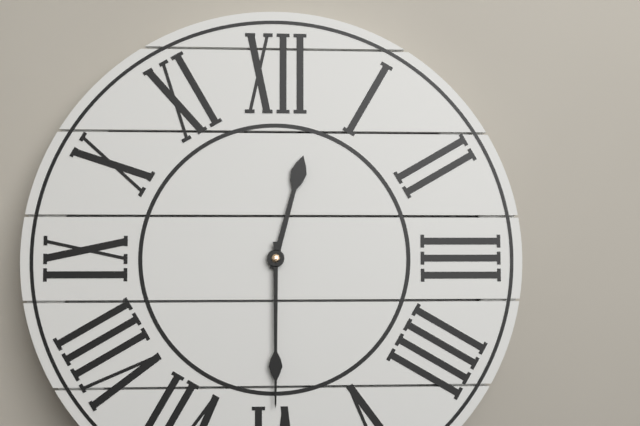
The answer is 12:30
